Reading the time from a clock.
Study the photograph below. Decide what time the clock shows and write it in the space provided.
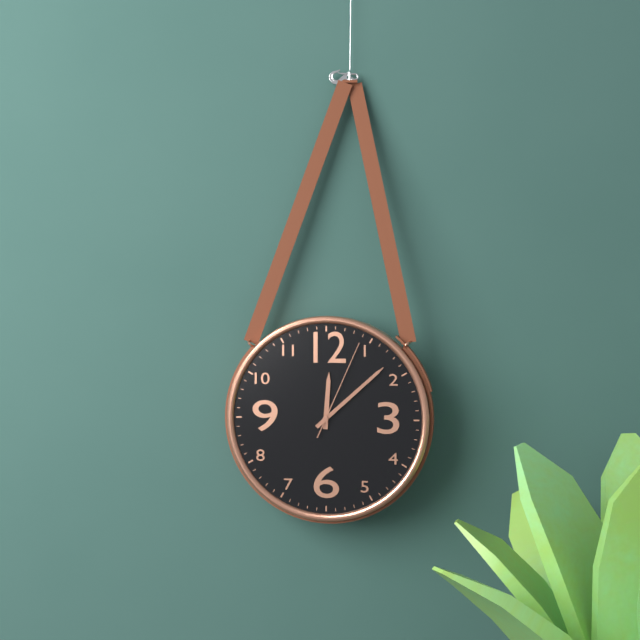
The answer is 12:08:04
